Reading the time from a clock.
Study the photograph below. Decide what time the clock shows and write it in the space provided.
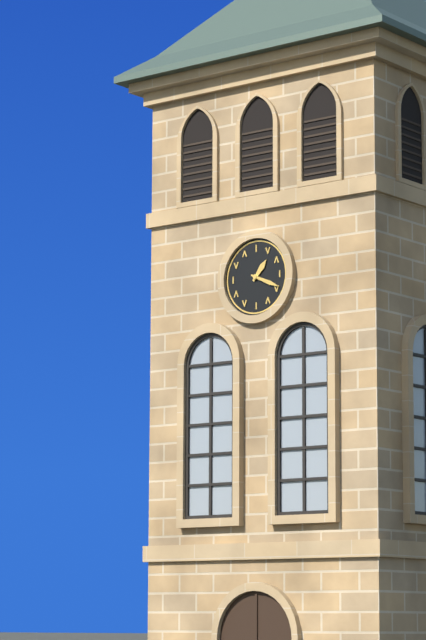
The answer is 1:19
